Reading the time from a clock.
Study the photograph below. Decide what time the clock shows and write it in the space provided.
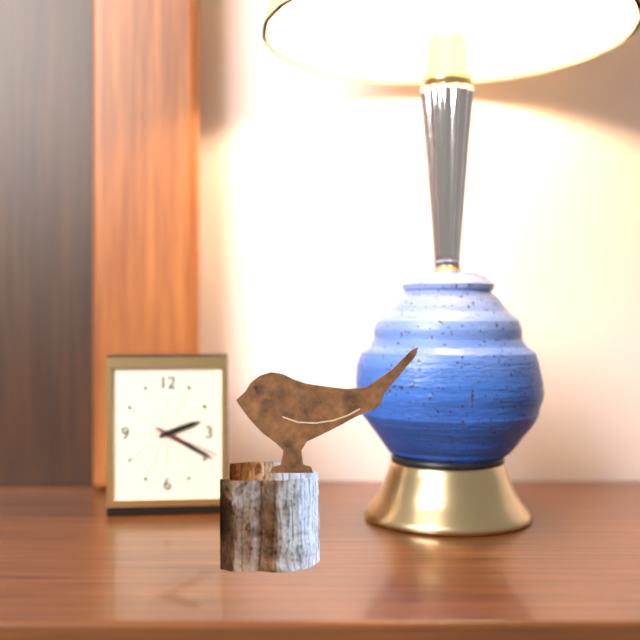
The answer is 2:20:19
